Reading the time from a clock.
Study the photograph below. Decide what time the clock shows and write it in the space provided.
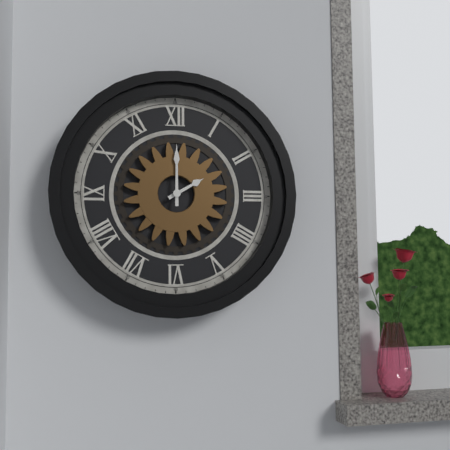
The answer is 2:00
